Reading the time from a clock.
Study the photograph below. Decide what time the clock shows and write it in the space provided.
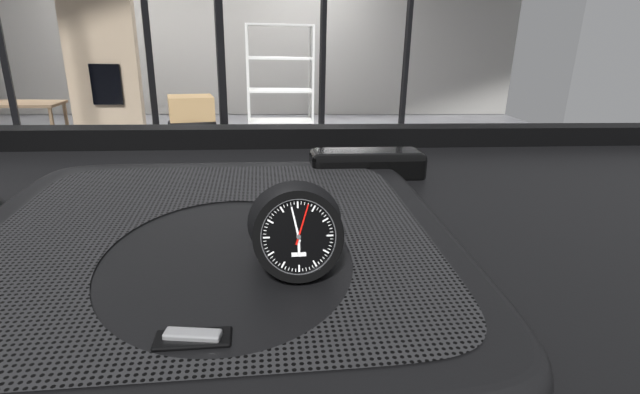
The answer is 5:58
